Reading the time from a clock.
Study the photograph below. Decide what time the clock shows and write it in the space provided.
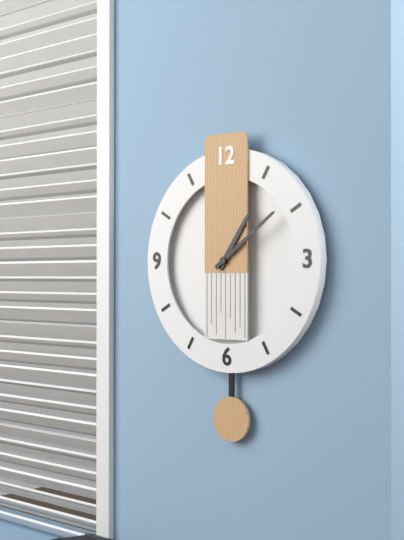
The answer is 1:09
